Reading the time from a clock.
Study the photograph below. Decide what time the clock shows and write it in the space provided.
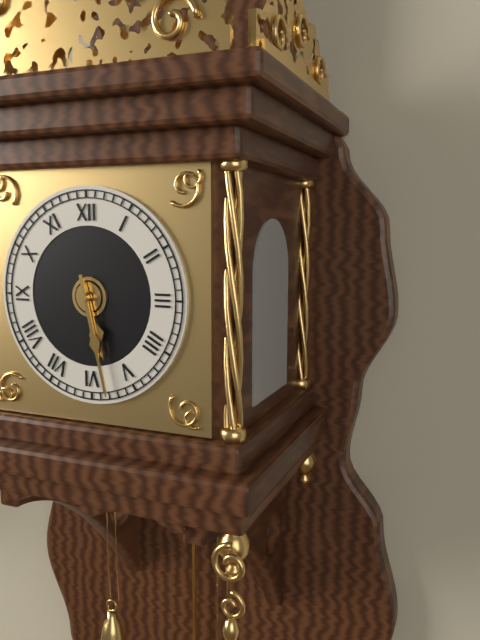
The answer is 5:28
